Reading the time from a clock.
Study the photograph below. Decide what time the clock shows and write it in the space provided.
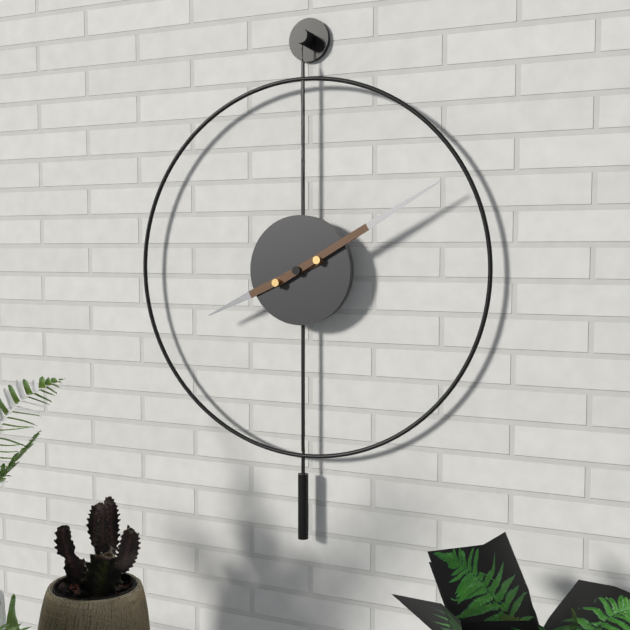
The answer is 8:10
